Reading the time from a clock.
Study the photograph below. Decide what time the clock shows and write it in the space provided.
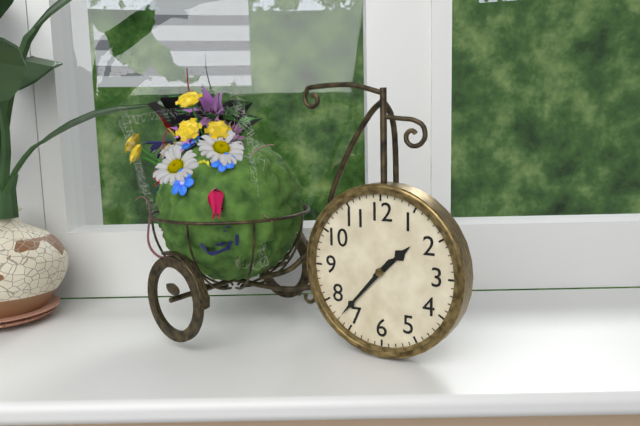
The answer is 1:37
